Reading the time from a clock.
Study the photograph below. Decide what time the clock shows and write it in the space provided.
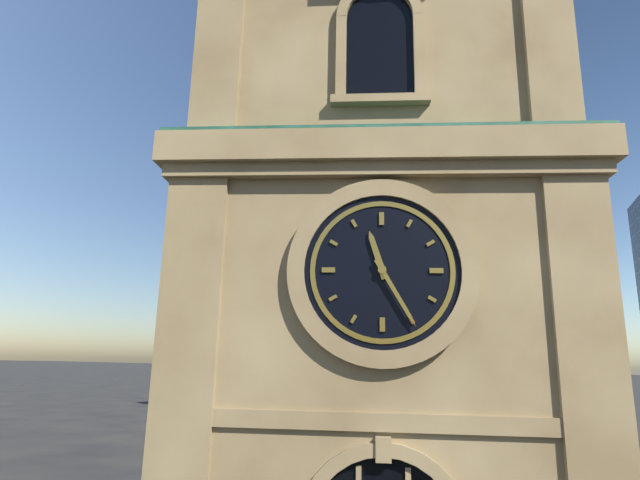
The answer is 11:25
